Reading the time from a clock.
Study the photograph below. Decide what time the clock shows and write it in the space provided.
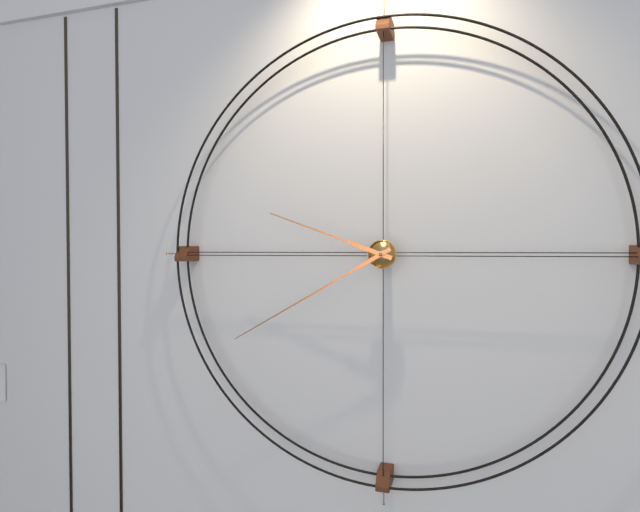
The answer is 9:40
